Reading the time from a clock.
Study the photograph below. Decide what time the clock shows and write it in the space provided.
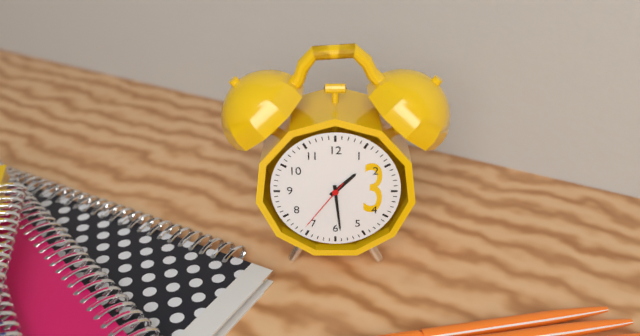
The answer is 1:29:36
